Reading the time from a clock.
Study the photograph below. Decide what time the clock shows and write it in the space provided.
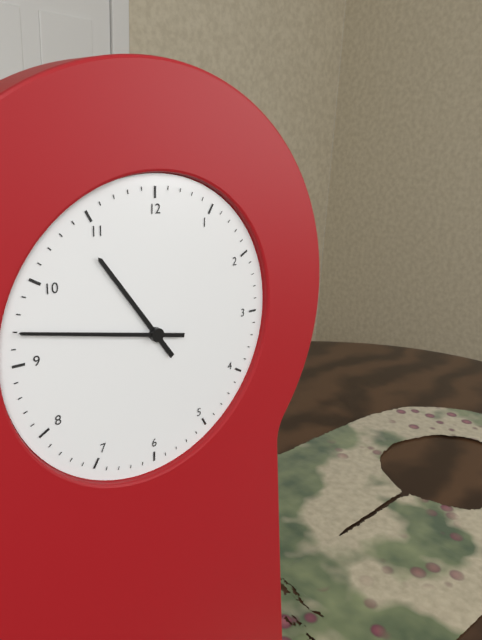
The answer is 10:47
